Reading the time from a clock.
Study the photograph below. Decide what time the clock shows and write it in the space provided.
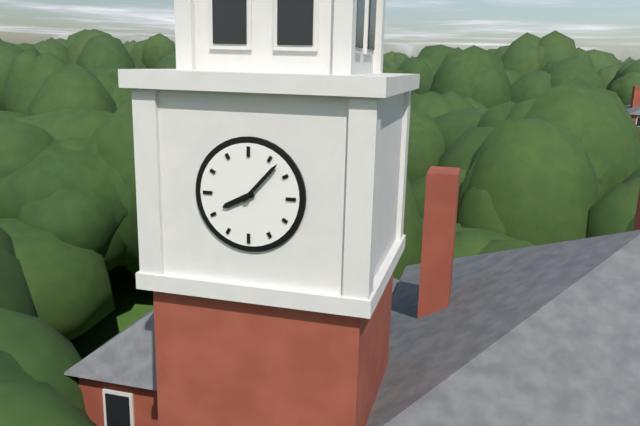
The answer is 8:07
